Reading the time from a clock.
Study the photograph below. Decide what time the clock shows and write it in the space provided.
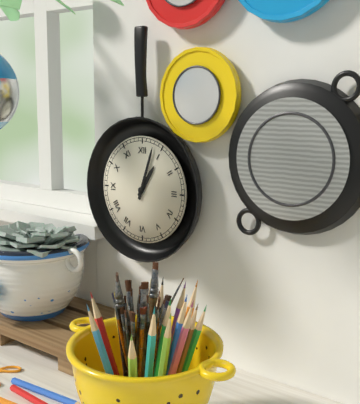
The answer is 1:03
